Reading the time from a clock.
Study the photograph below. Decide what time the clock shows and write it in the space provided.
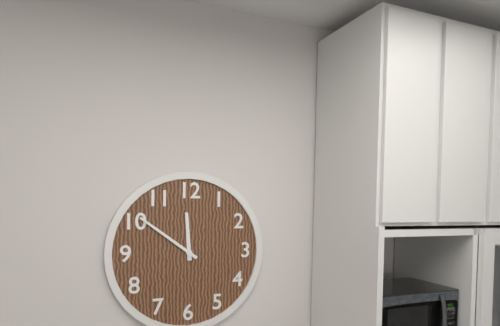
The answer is 11:51
